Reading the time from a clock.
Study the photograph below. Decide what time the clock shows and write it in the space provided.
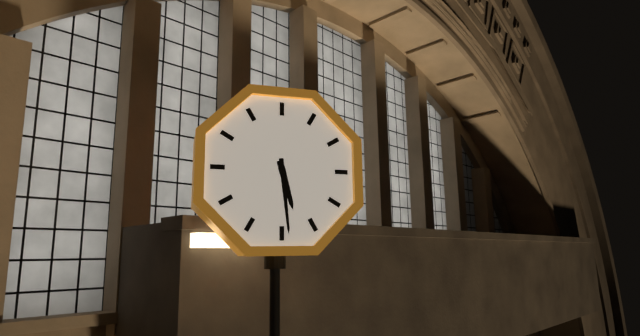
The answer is 5:29
